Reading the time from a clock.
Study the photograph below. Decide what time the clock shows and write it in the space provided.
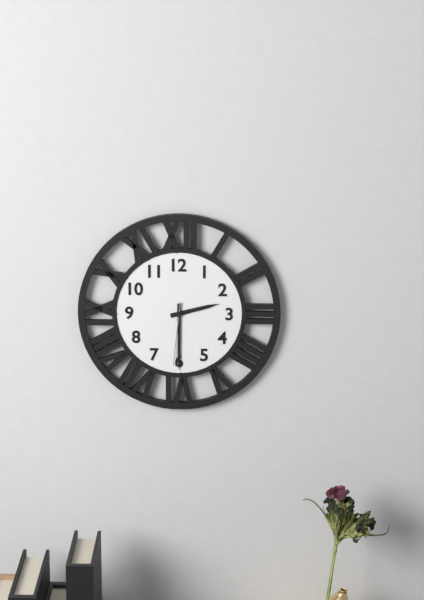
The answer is 2:30:31
